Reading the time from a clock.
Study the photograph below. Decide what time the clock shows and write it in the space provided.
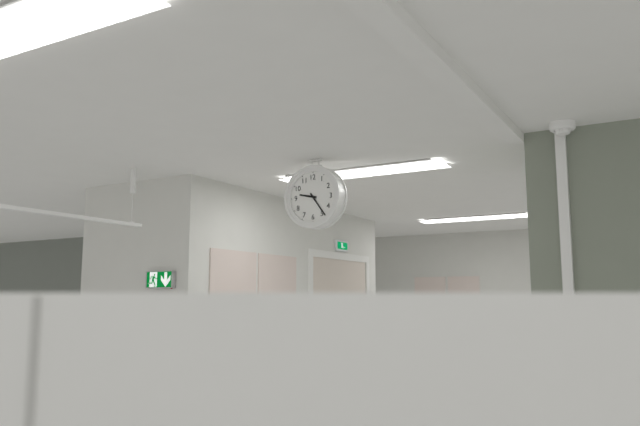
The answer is 9:24
